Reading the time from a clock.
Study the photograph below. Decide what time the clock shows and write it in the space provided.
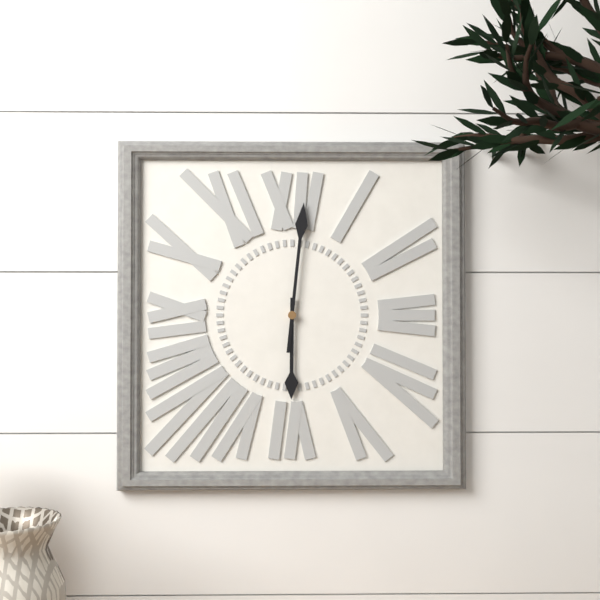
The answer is 6:01
